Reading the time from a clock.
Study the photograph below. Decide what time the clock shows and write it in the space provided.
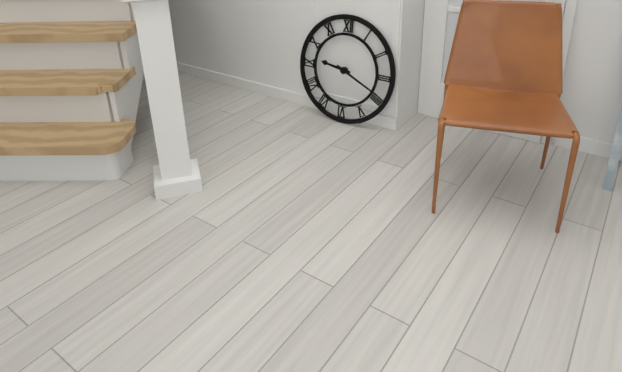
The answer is 9:19
